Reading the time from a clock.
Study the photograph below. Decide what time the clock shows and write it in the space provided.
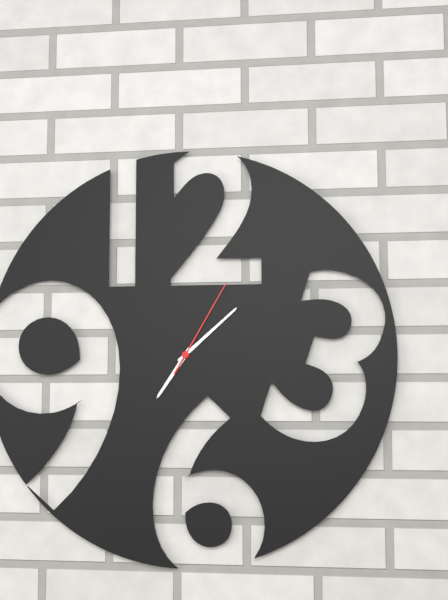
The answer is 7:08:05
